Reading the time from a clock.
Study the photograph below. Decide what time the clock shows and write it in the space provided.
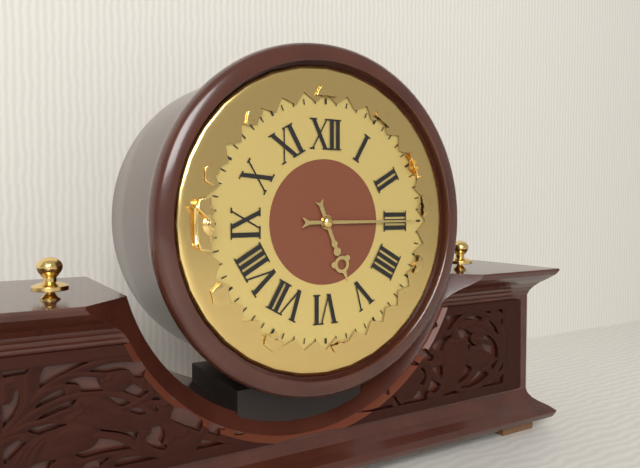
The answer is 5:15
